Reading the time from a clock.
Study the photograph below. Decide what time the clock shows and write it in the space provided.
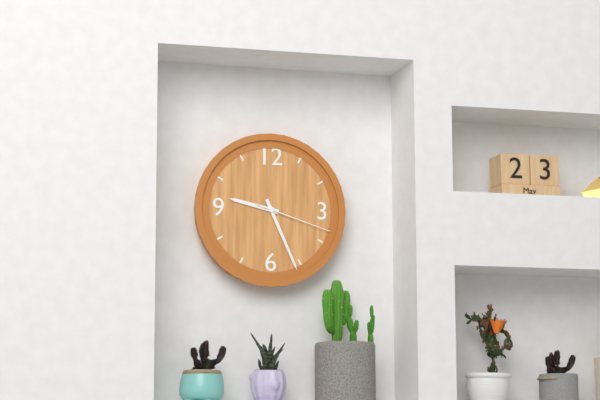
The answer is 9:26:18
